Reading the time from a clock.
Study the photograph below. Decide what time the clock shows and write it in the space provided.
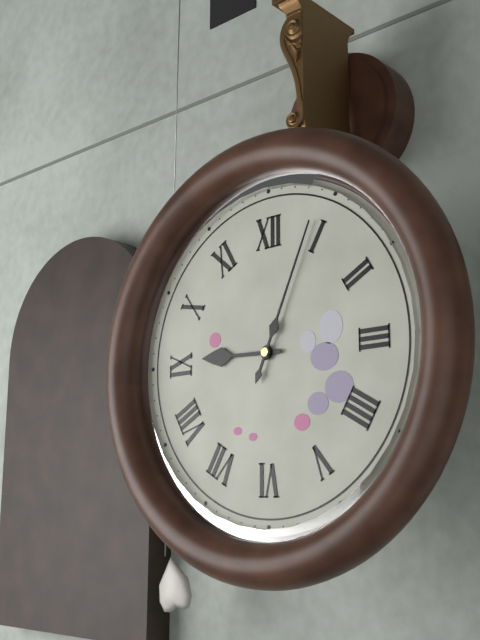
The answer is 9:04
